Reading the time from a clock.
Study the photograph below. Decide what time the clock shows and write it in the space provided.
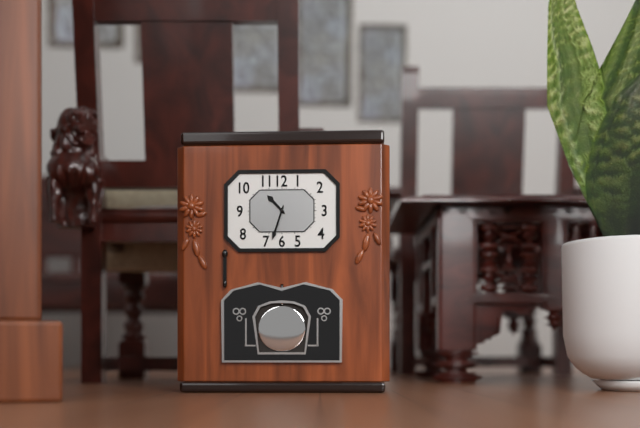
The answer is 10:33
